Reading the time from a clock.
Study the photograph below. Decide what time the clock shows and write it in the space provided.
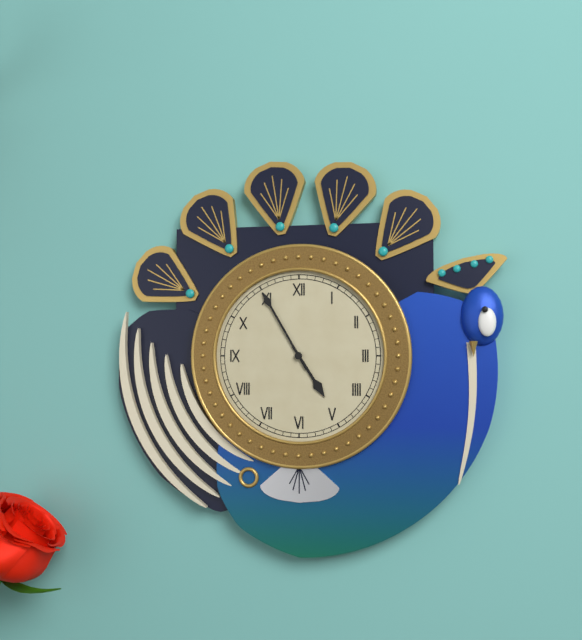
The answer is 4:55
